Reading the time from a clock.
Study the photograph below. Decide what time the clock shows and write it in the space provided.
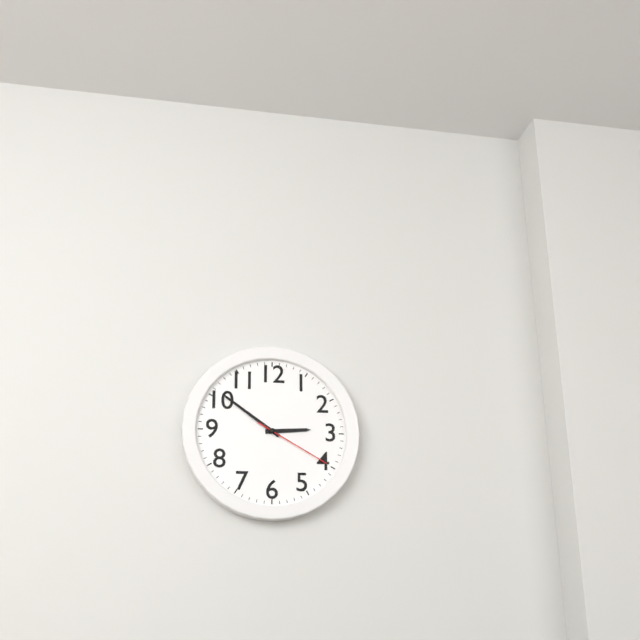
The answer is 2:51:20
